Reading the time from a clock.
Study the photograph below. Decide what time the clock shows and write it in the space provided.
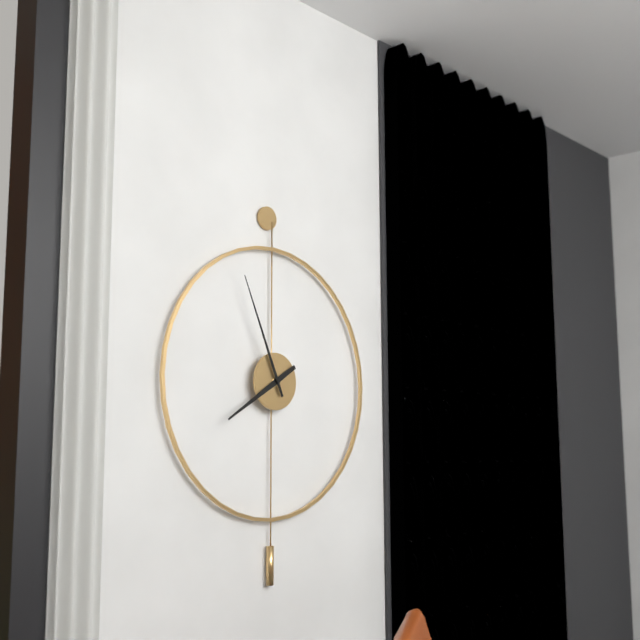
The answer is 7:56
